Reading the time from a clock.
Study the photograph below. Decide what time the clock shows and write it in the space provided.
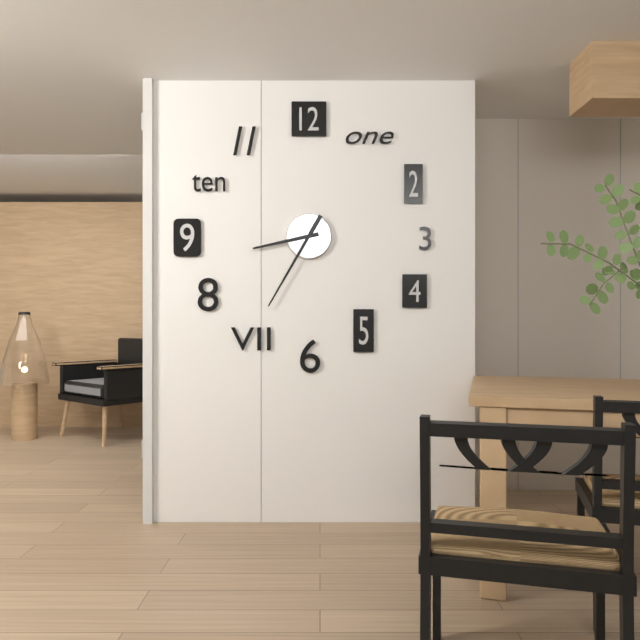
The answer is 8:35
